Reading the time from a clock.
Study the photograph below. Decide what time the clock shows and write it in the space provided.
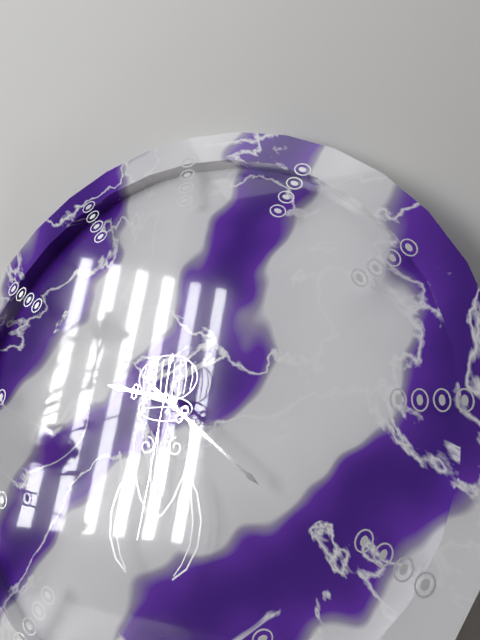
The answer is 9:21:31
